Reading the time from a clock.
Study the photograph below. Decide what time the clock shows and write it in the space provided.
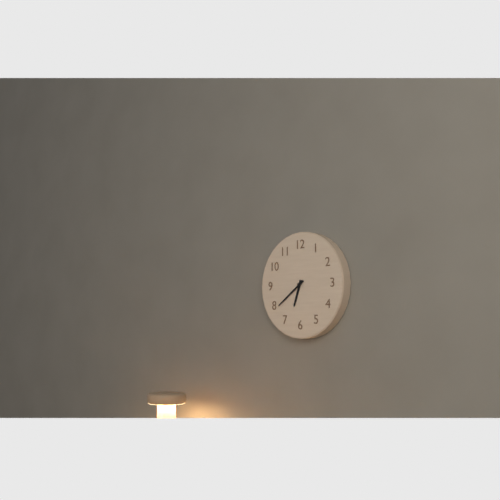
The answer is 6:39
